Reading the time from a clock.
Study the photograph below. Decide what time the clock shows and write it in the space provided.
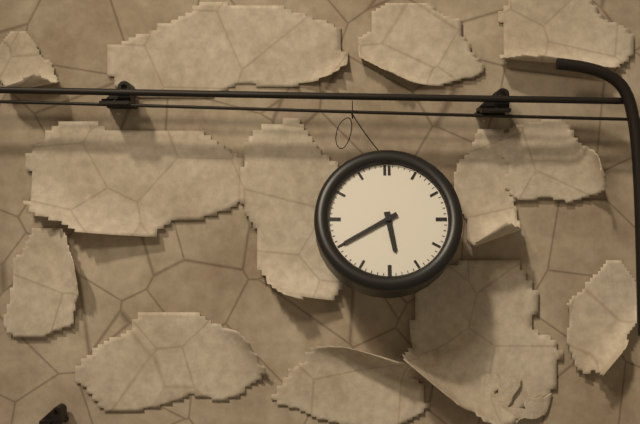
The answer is 5:40
